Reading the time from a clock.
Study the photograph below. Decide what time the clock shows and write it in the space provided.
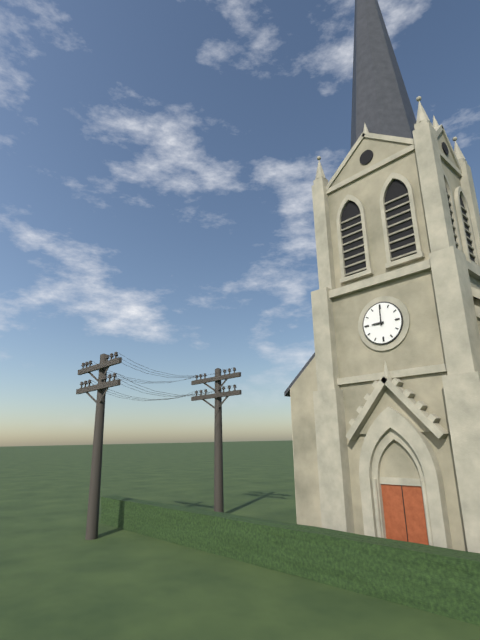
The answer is 9:00
